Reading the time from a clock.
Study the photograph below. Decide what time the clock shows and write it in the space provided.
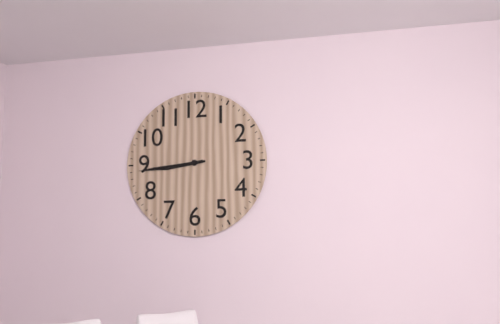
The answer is 8:44
